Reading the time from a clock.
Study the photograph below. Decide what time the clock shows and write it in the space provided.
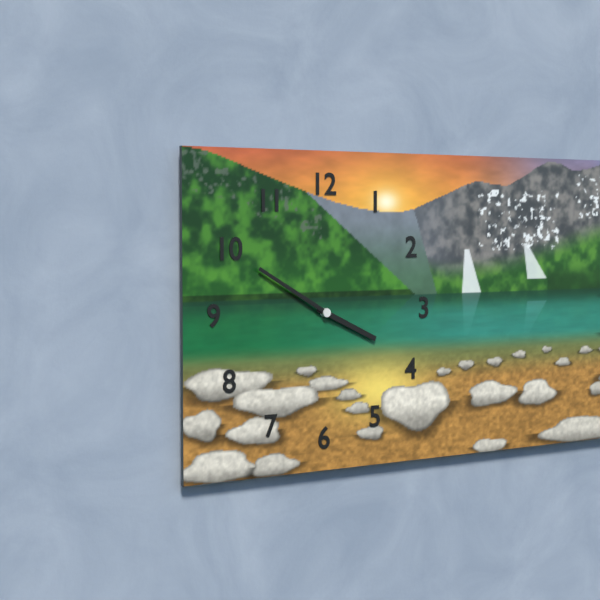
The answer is 3:50
